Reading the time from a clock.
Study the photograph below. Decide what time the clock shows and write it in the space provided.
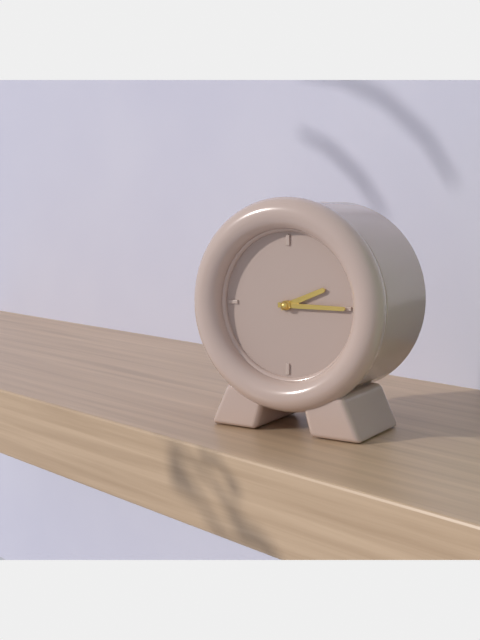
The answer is 2:15
